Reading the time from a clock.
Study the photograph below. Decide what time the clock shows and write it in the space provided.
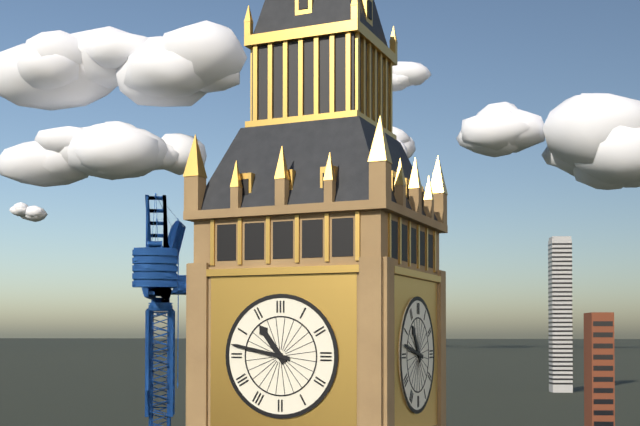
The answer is 10:47
